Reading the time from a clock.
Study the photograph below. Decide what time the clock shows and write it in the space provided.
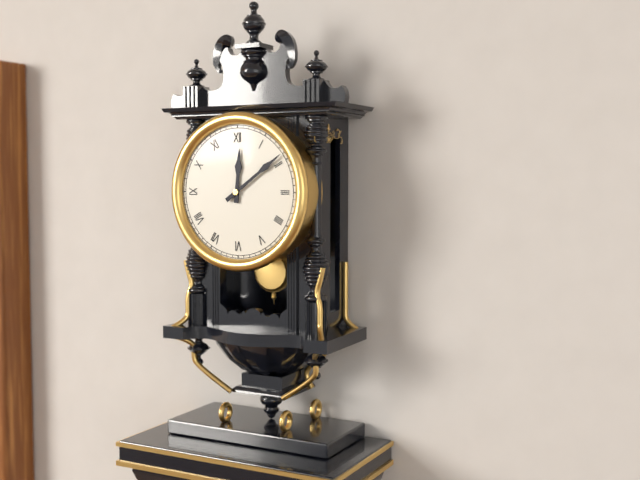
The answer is 12:09
